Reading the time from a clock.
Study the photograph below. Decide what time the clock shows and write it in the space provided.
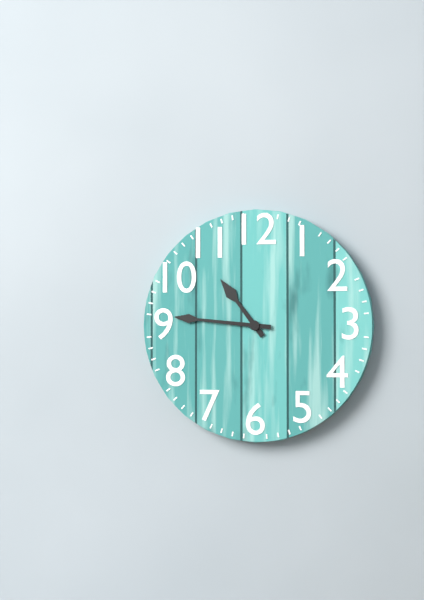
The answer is 10:46
